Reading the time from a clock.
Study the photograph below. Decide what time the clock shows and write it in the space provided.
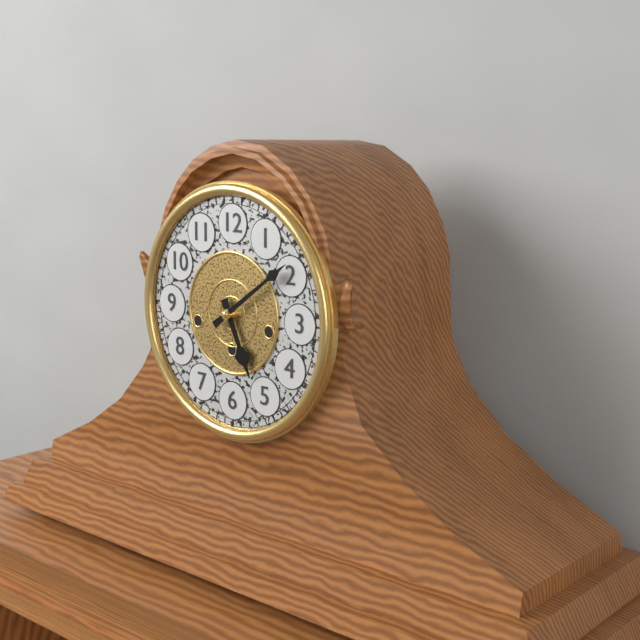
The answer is 5:09
